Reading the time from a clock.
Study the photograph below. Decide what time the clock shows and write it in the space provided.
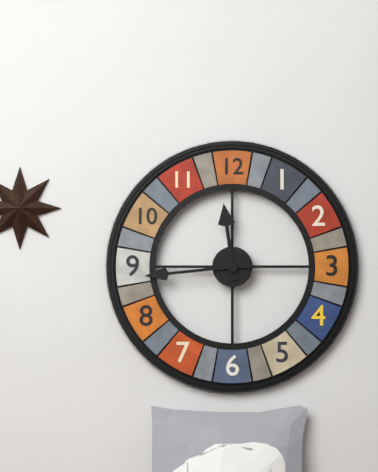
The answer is 11:44
